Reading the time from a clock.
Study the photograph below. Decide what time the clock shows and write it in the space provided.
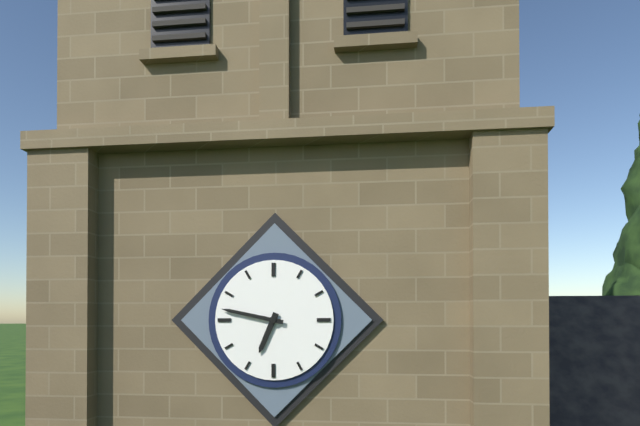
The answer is 6:47
